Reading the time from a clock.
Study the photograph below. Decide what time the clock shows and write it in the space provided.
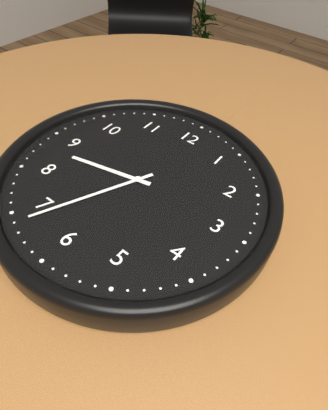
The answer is 8:34
